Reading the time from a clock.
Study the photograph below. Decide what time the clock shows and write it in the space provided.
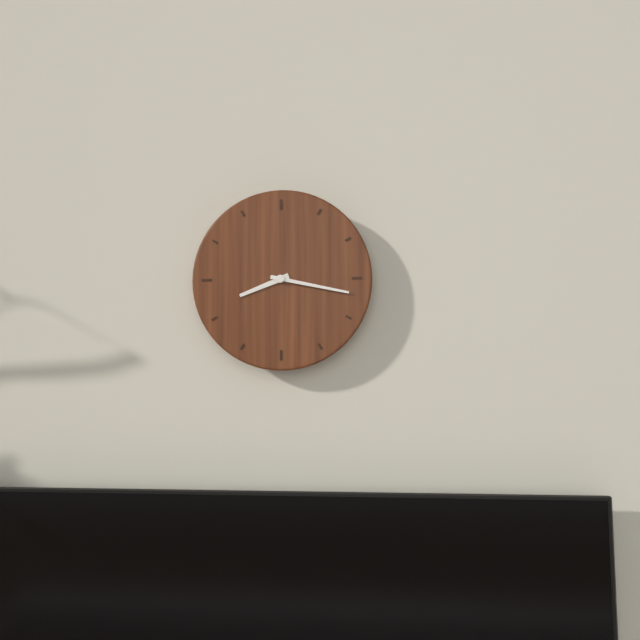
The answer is 8:17
